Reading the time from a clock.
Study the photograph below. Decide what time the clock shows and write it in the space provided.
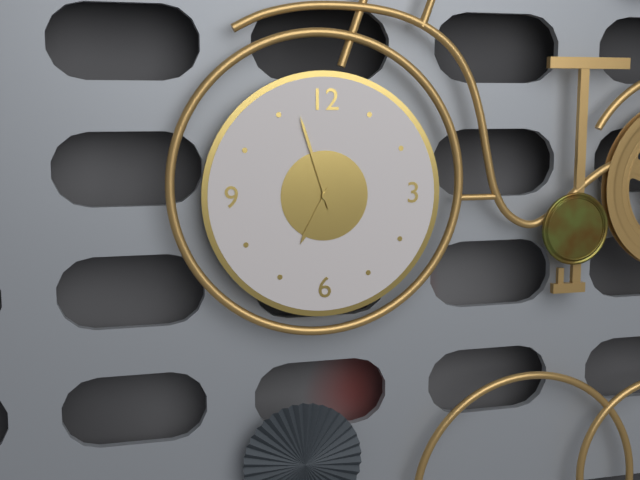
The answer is 6:57
